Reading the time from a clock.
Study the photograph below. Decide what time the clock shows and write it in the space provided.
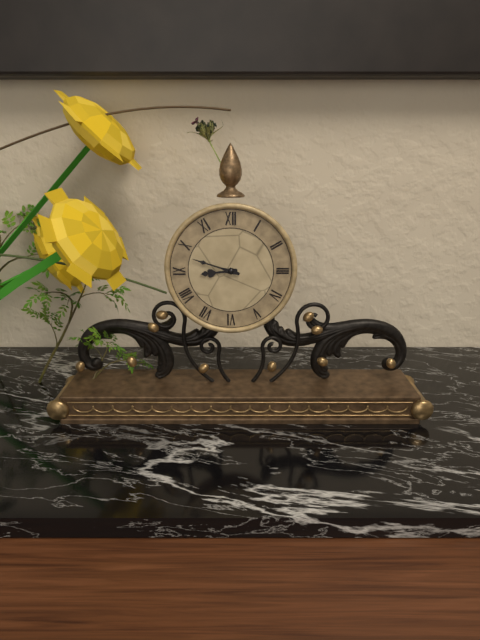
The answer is 8:48
